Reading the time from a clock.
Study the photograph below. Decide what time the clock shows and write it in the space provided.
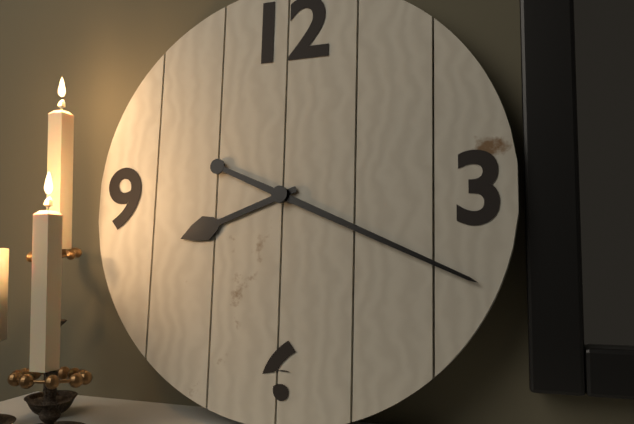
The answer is 8:19
